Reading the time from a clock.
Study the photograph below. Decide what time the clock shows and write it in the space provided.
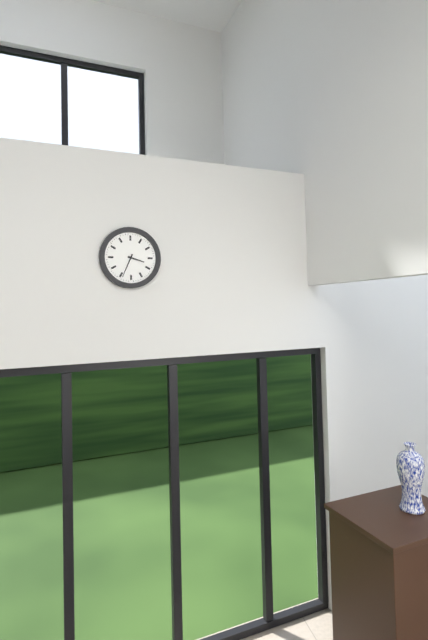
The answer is 3:34
